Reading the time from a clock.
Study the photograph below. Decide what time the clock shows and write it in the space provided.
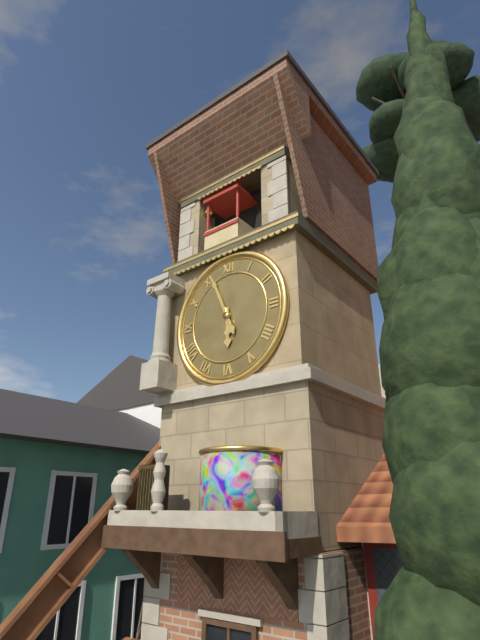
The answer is 5:56
